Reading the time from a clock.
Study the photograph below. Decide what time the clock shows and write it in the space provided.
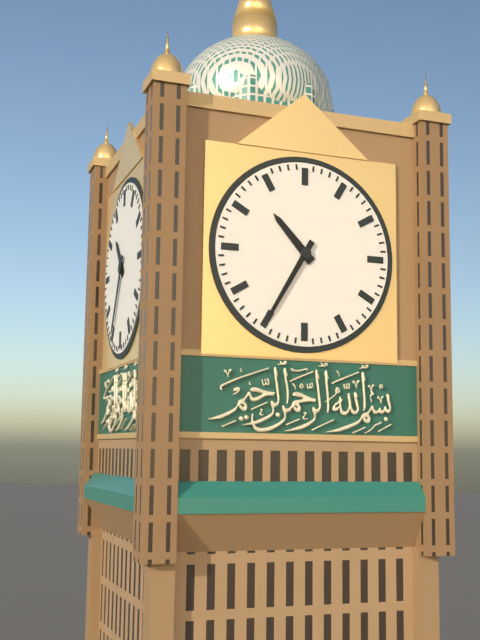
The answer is 10:35
